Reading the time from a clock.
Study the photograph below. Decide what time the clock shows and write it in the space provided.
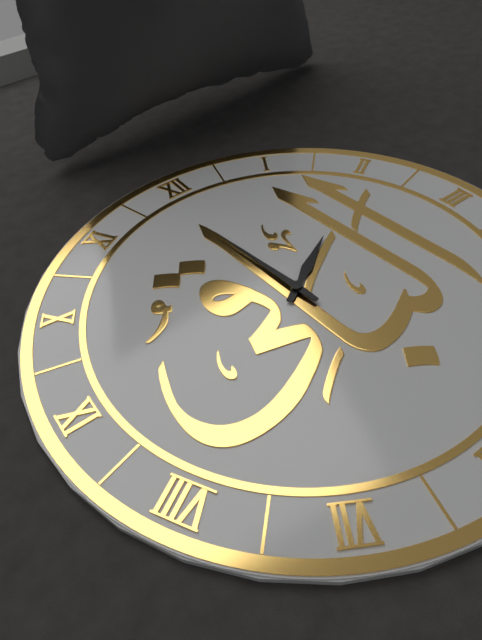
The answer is 1:59
